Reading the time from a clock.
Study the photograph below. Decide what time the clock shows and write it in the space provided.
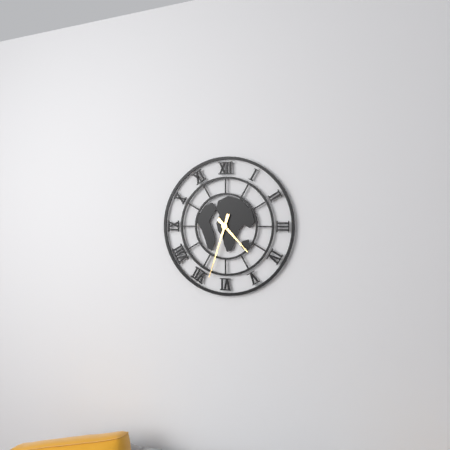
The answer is 4:33
